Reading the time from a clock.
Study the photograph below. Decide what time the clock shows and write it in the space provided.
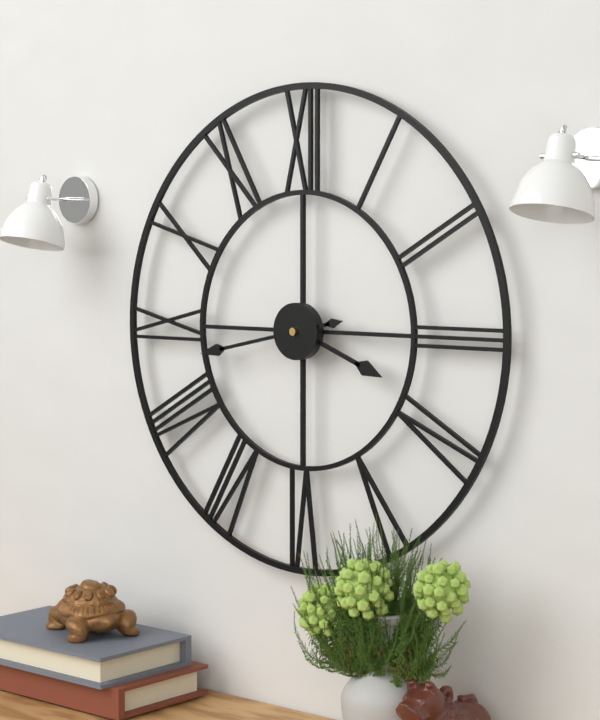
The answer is 3:43
